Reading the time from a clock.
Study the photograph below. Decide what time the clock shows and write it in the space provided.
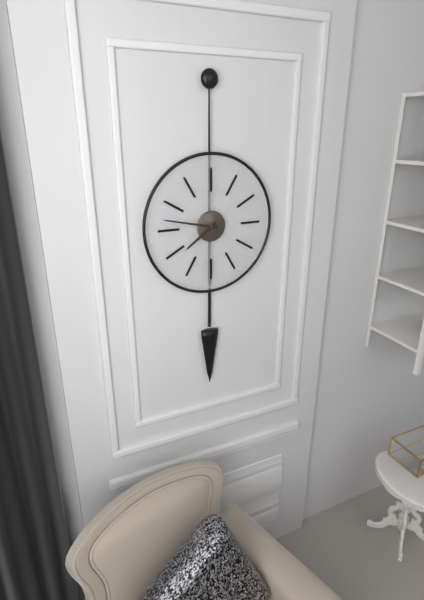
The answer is 7:47
